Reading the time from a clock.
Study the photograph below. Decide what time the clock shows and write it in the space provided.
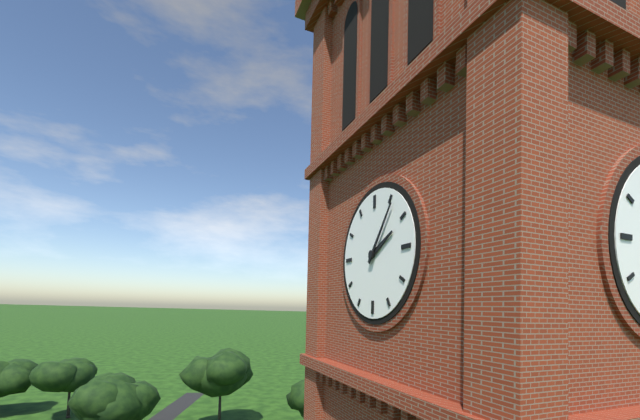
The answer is 2:06
